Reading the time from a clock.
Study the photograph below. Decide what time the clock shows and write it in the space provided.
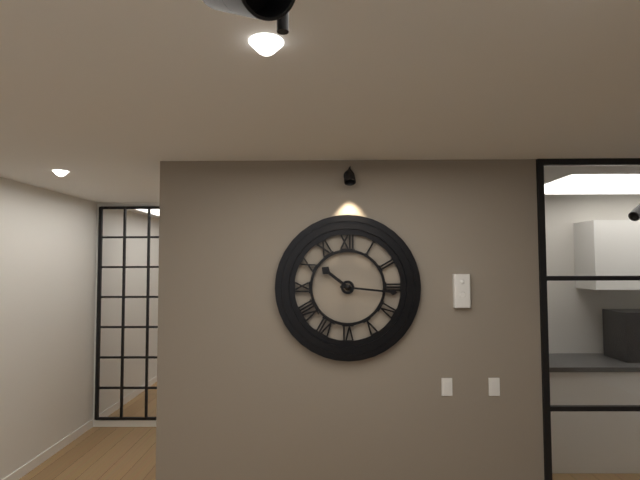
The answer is 10:16
